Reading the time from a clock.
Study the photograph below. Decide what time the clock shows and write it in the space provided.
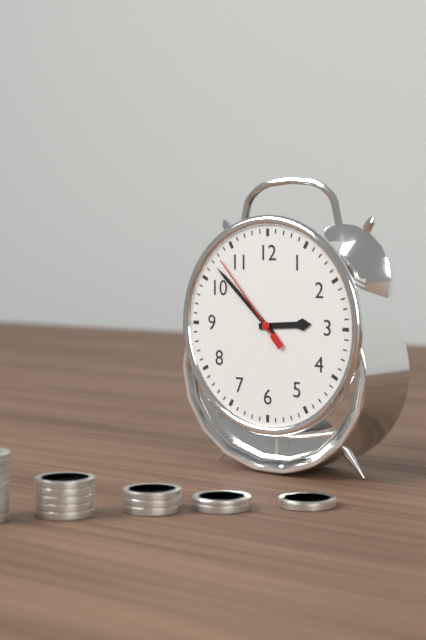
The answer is 2:52:53
